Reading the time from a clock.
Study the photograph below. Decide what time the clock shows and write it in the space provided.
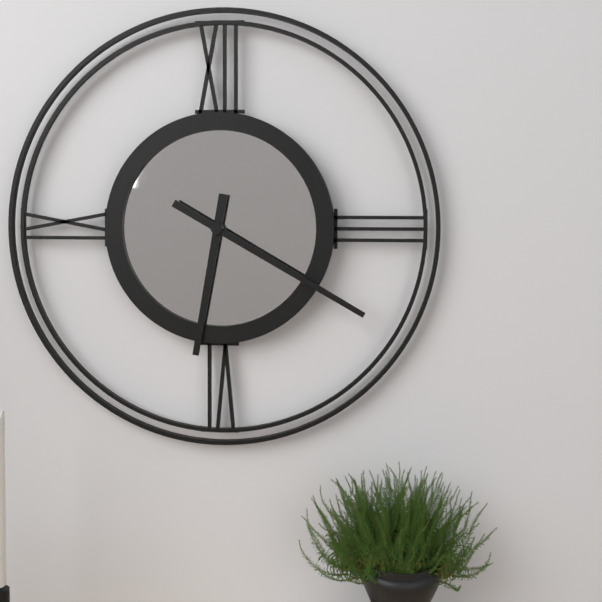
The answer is 6:20
